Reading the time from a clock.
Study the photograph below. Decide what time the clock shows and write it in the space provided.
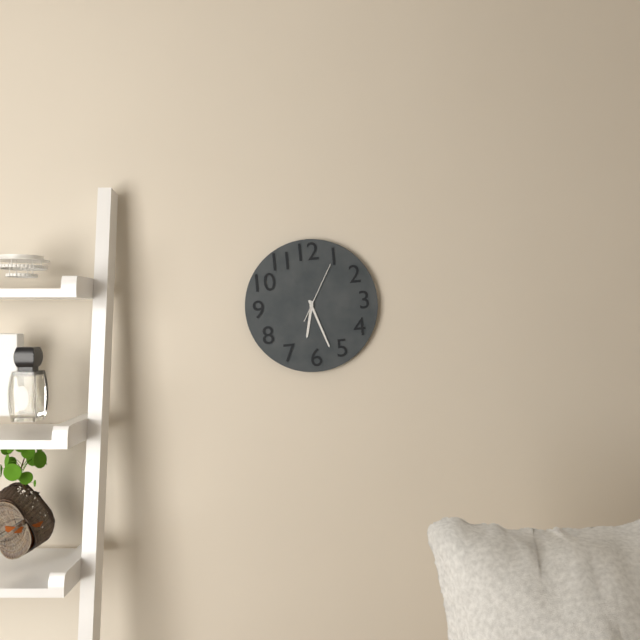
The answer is 6:27:05
